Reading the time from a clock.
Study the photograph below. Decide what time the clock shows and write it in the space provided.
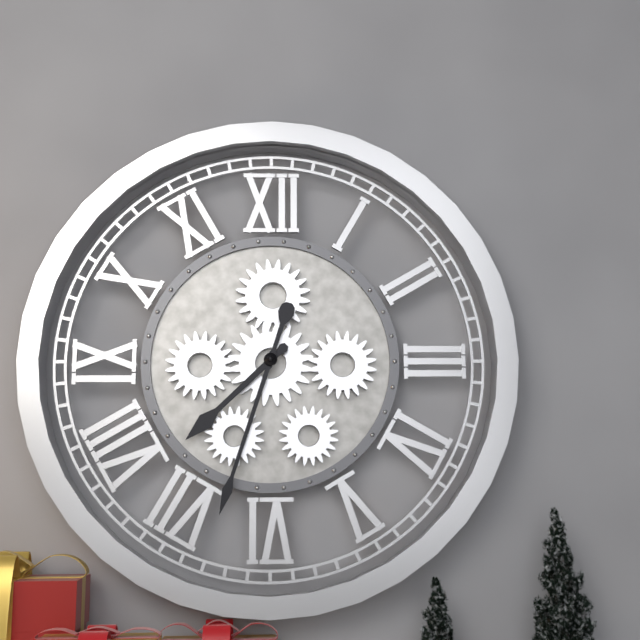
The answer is 7:33
